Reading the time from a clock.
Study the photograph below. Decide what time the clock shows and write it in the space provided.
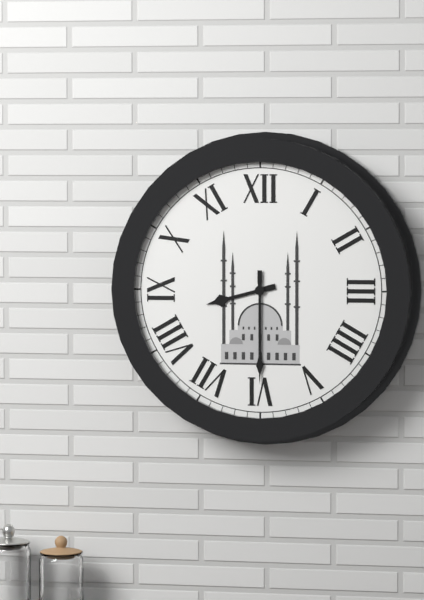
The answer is 8:30
